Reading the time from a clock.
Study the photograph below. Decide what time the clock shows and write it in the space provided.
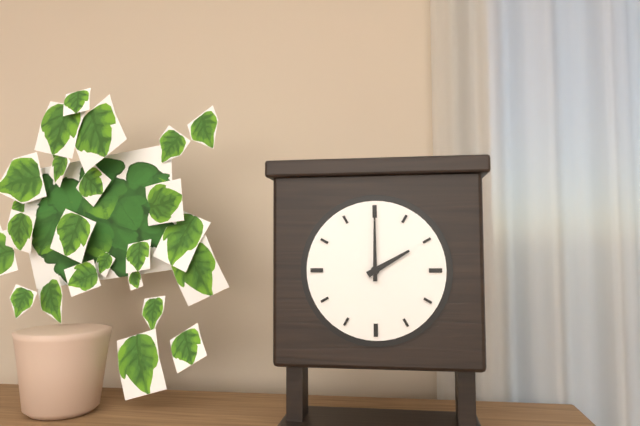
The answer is 2:00
